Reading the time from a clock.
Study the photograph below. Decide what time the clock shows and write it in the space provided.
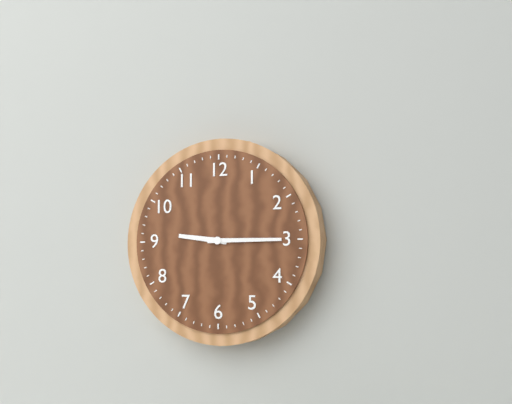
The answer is 9:15
